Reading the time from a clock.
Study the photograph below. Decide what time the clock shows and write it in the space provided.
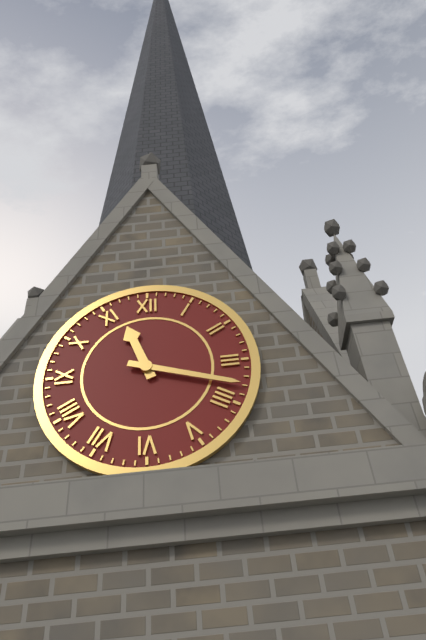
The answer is 11:18
